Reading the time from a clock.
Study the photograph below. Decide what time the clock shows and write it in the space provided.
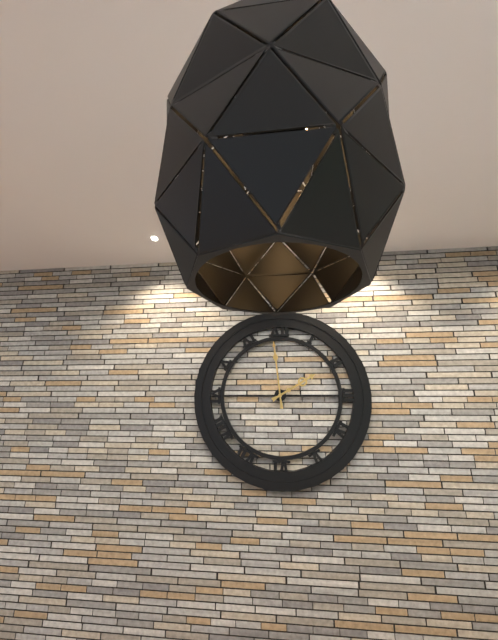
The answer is 1:59
